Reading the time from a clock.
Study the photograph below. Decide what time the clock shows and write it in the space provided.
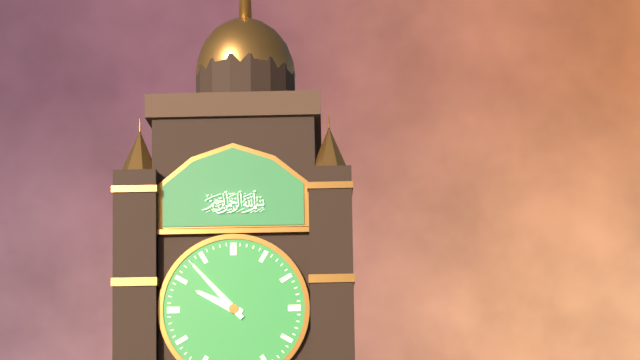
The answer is 9:53
